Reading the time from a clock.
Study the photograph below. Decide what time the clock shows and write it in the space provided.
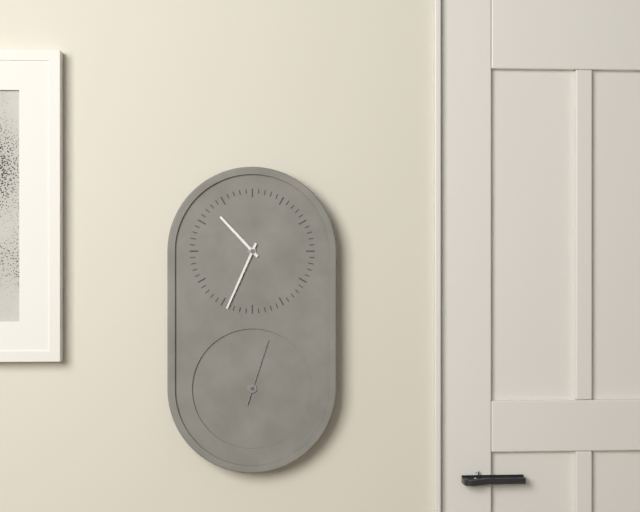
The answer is 10:34:03
